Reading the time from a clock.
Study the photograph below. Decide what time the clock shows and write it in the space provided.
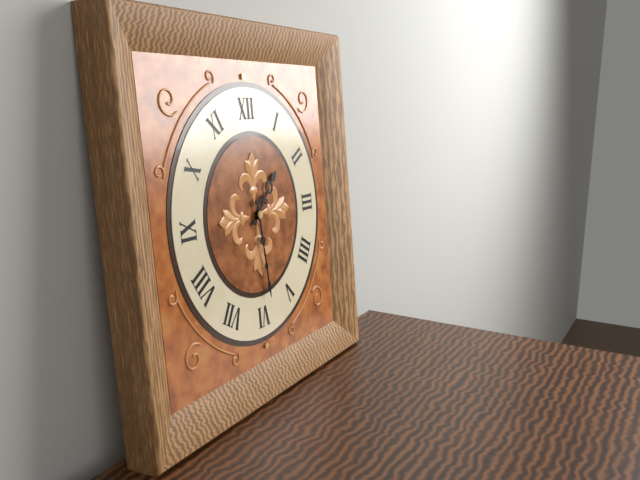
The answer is 1:29
